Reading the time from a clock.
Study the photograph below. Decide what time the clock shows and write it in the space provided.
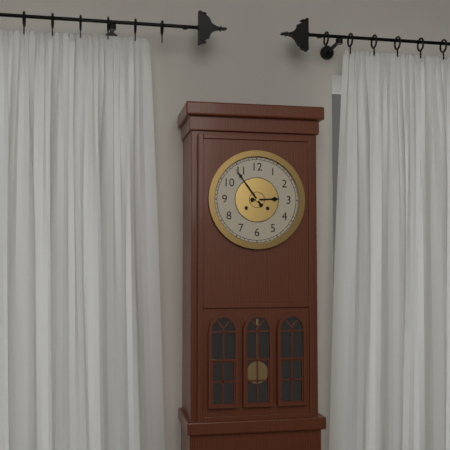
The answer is 2:54
